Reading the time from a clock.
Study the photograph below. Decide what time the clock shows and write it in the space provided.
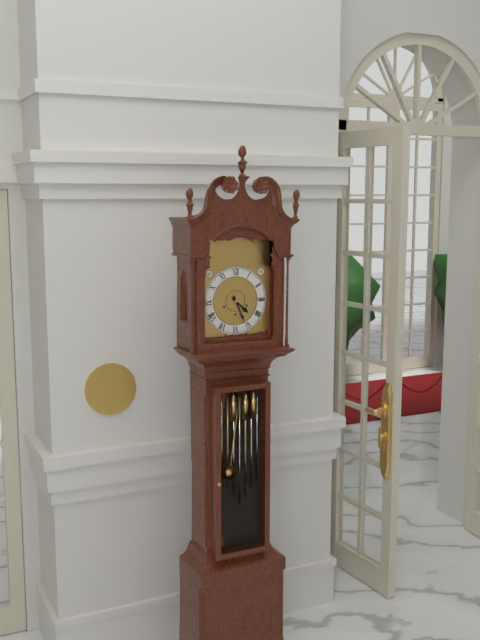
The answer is 4:26
